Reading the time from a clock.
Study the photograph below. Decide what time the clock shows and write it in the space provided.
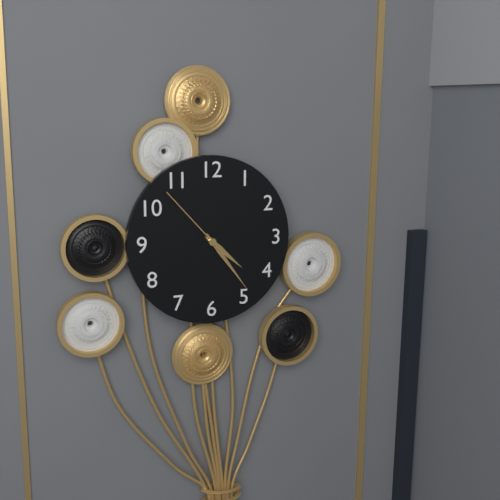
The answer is 4:24:53
